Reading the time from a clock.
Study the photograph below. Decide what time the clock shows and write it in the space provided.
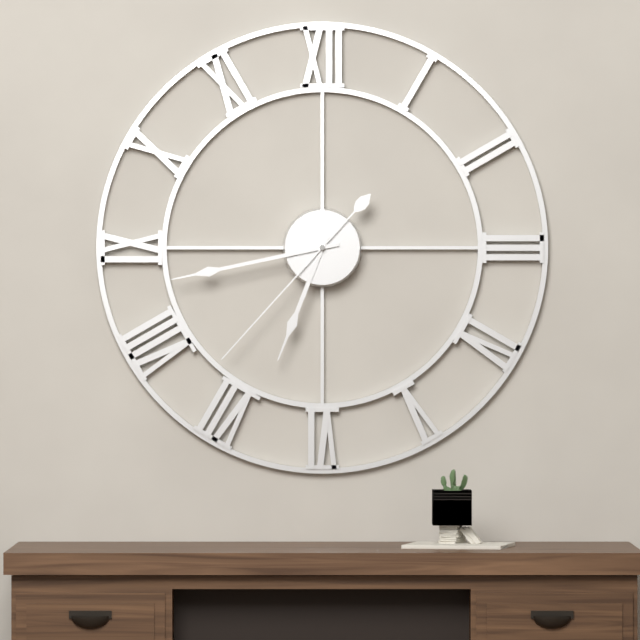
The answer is 6:43:37
